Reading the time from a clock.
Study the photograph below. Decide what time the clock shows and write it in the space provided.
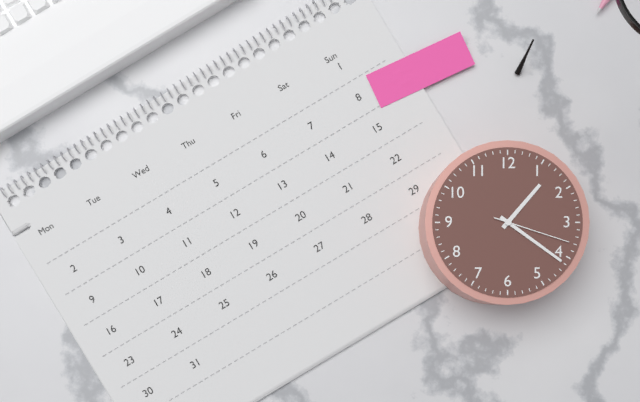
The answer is 1:21:18
